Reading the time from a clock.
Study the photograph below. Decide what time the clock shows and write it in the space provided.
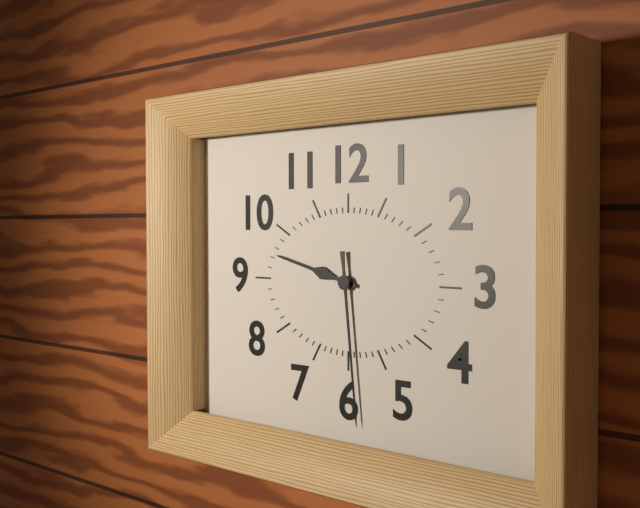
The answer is 9:29
